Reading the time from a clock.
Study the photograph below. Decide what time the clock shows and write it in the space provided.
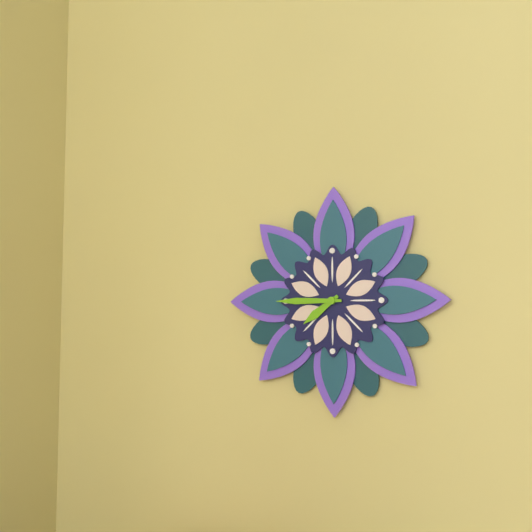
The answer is 7:45
